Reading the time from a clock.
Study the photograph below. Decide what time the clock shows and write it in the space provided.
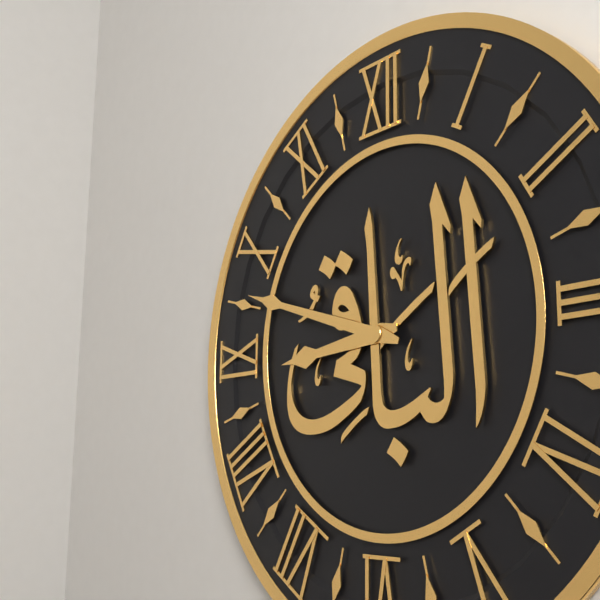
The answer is 8:48
